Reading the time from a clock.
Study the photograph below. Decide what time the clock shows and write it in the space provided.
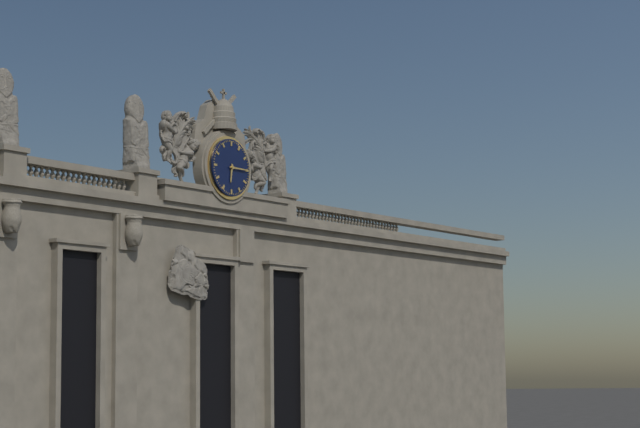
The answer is 6:15
